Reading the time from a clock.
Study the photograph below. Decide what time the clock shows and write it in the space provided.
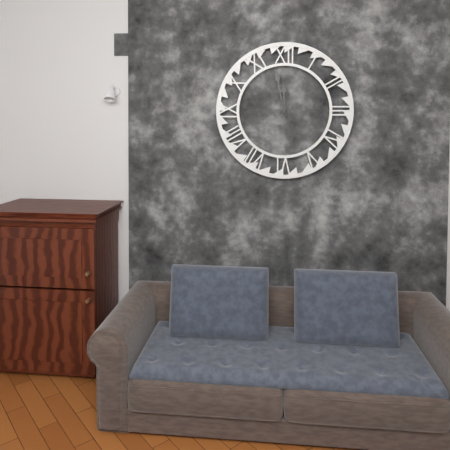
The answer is 11:58
